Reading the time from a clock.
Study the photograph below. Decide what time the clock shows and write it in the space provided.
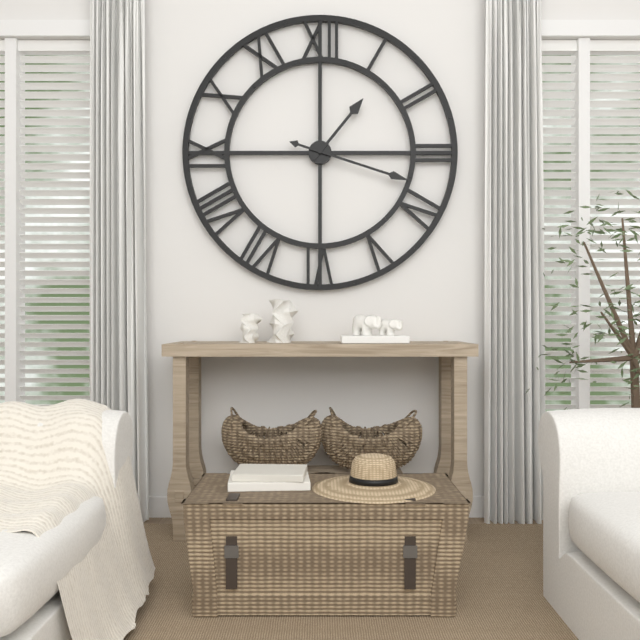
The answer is 1:18
